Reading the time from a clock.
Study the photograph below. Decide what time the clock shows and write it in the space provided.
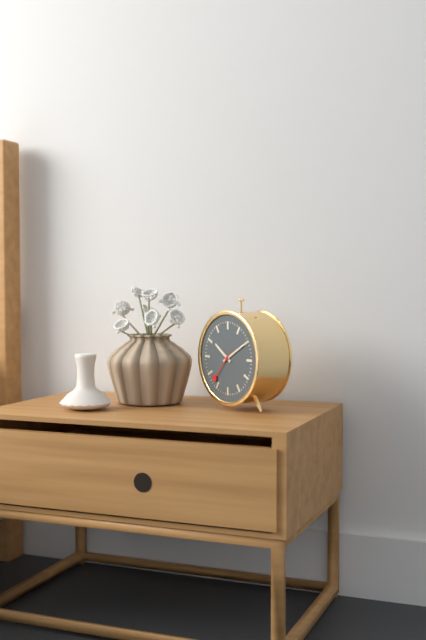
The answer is 10:10
